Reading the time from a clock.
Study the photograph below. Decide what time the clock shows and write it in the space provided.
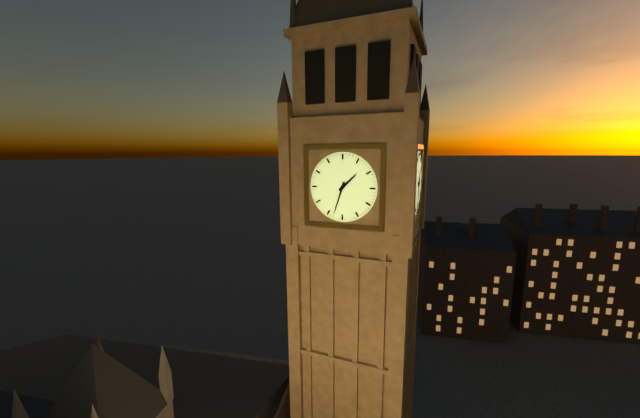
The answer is 1:33
